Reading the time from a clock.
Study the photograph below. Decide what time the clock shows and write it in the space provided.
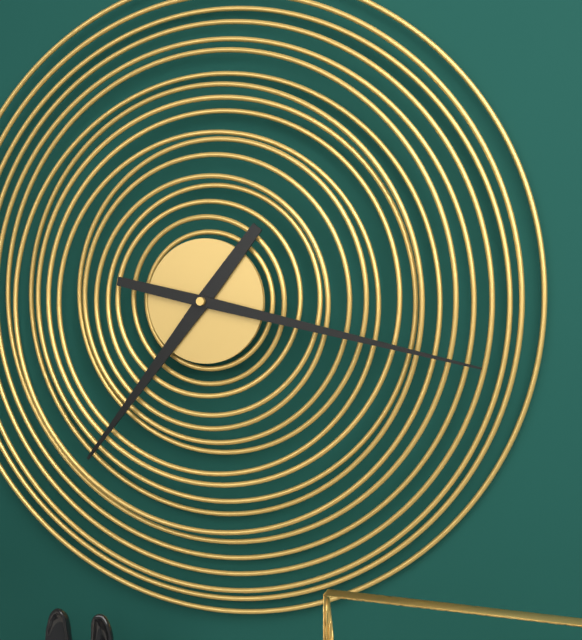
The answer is 7:17
